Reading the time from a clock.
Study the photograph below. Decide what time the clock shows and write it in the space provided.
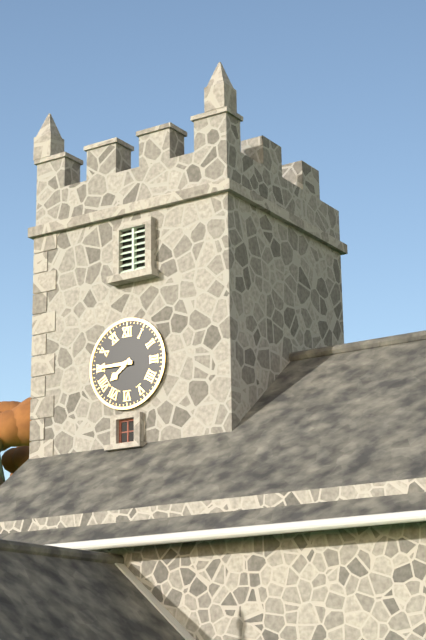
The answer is 7:45
